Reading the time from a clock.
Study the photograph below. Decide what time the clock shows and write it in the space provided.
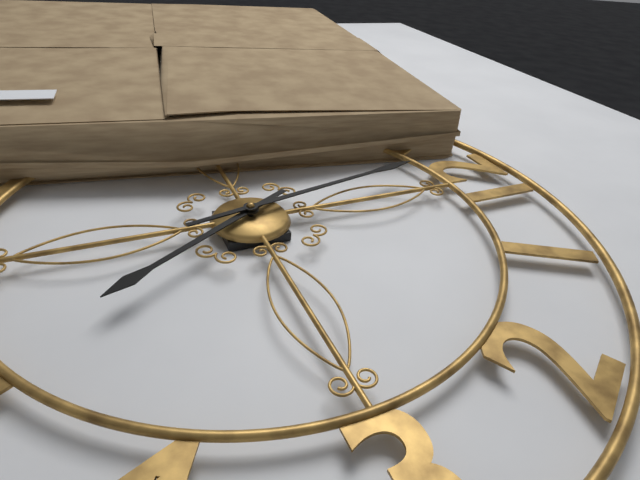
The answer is 4:58
